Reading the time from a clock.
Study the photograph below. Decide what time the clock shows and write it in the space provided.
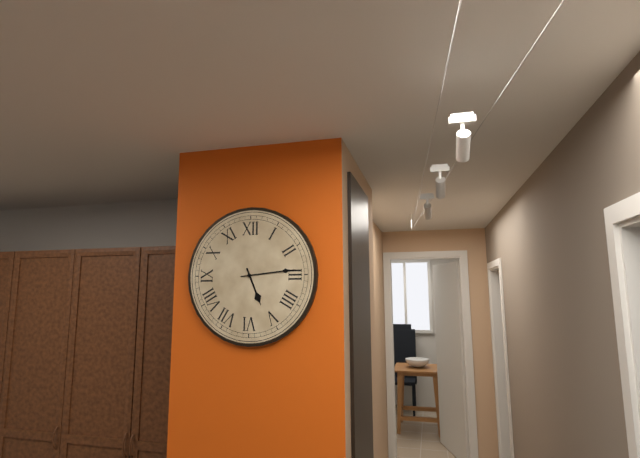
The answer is 5:14
